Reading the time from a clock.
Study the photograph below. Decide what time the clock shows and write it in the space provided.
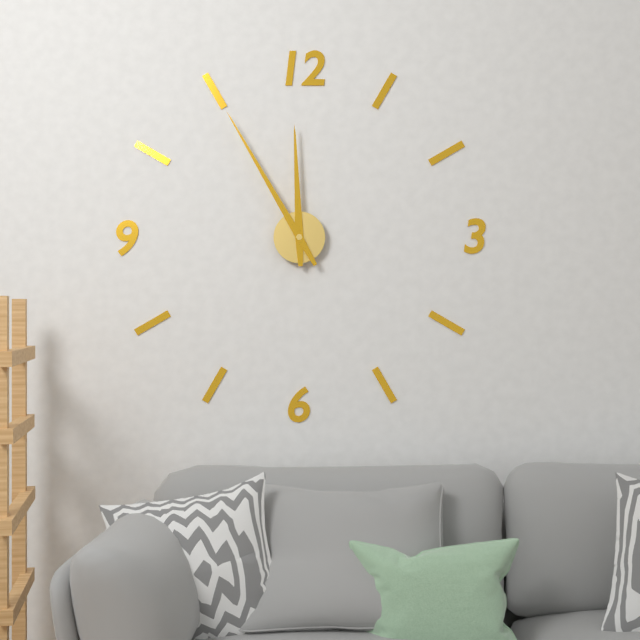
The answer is 11:55
